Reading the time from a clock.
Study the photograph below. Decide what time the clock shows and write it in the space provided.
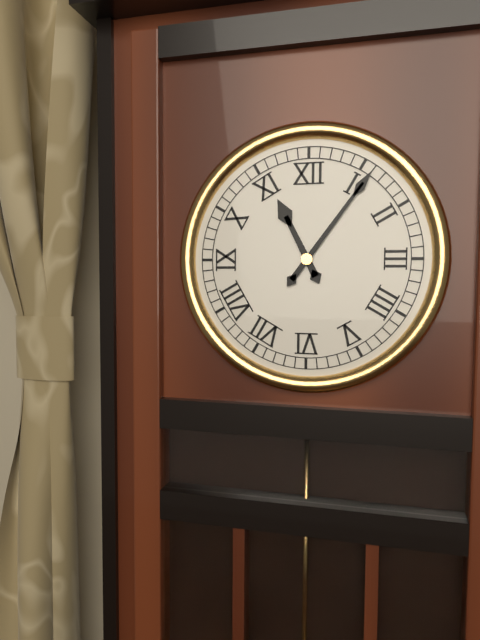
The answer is 11:06
